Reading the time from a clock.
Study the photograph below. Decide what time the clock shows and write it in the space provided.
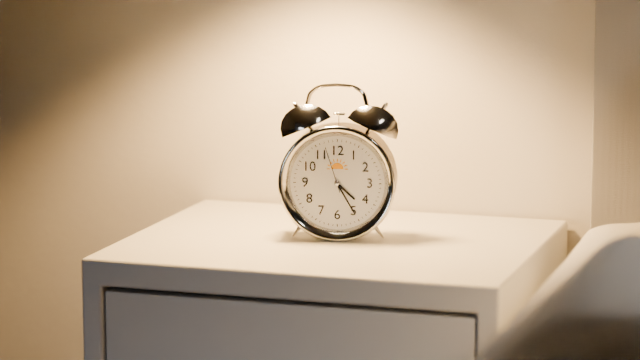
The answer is 4:25
